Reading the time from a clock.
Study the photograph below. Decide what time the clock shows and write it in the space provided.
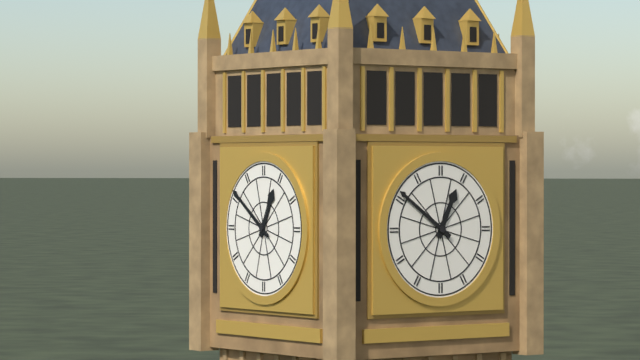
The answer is 12:51
